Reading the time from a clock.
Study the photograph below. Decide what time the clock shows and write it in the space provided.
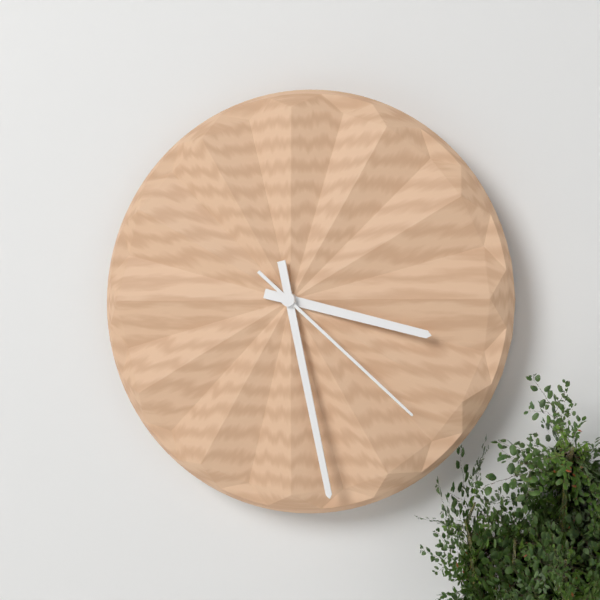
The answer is 3:28:22
